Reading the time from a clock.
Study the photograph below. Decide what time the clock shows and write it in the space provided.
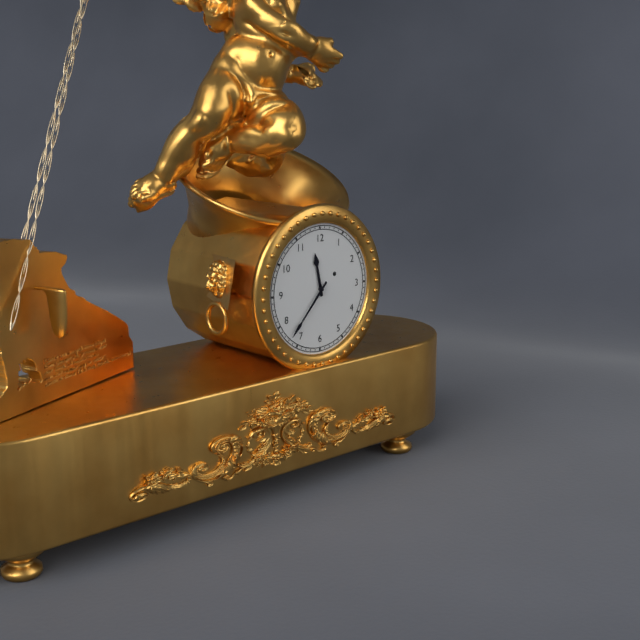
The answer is 11:37
